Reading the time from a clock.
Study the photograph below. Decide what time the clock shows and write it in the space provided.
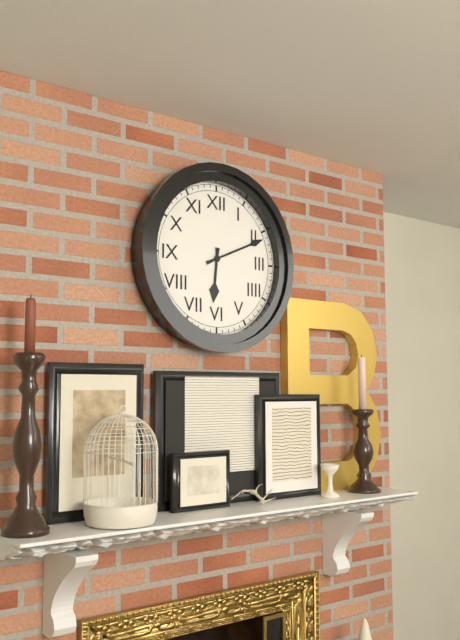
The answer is 6:11
